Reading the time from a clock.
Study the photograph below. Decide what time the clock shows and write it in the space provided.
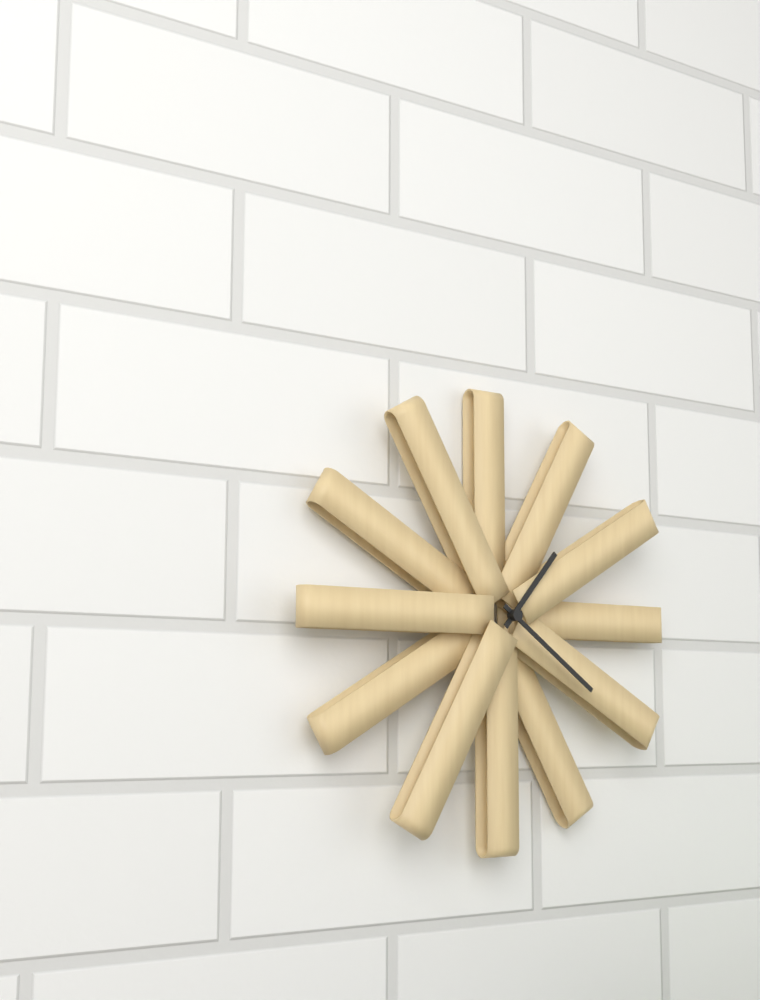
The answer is 1:21
